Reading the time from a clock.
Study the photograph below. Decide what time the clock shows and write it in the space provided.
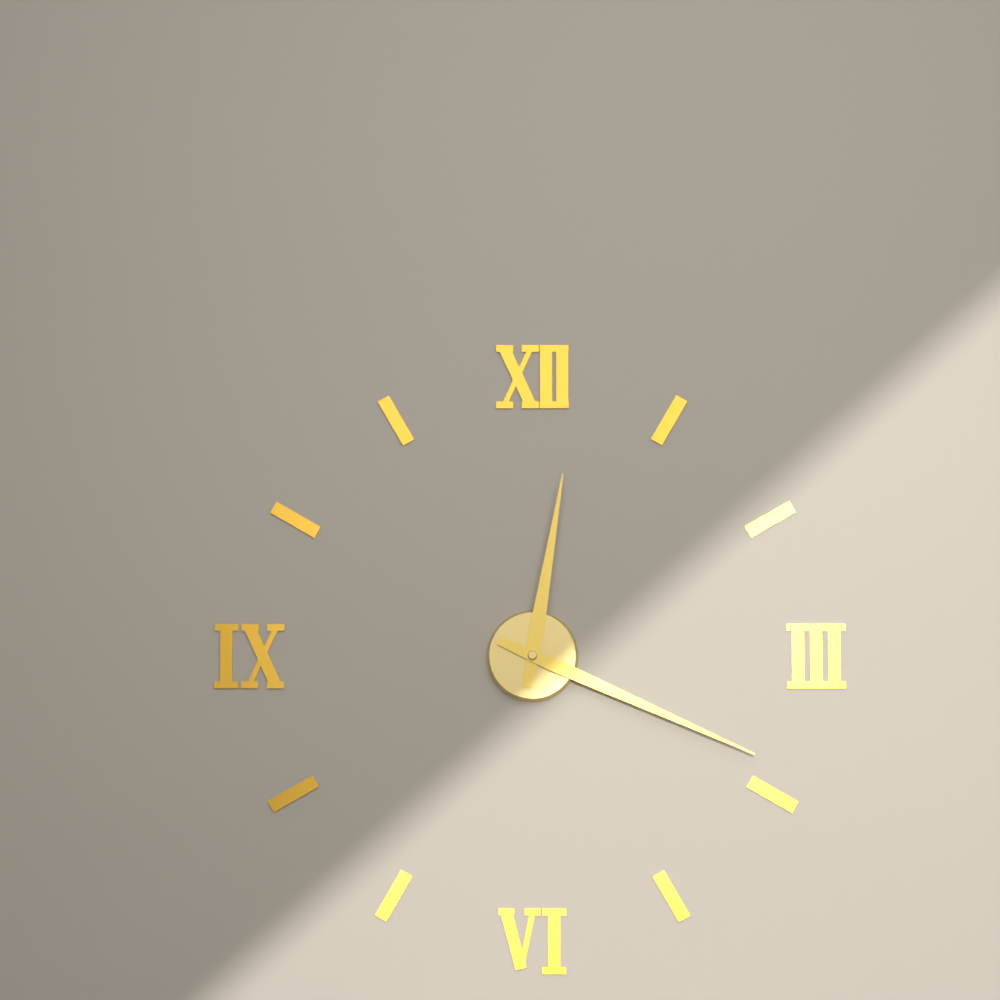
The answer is 12:19
